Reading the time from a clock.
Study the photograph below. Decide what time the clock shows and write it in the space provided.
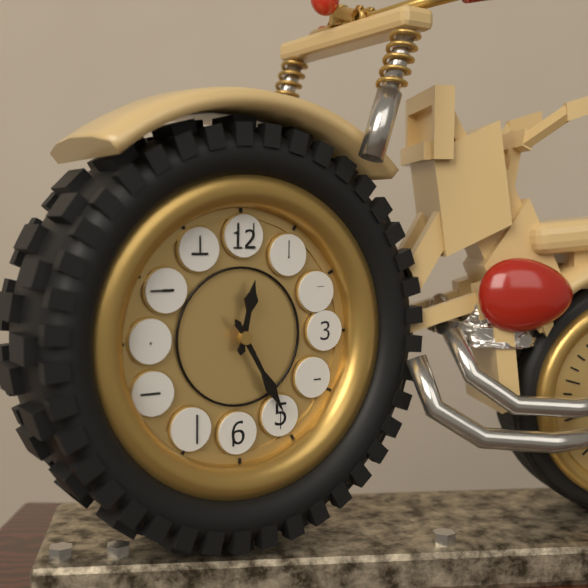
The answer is 12:25
